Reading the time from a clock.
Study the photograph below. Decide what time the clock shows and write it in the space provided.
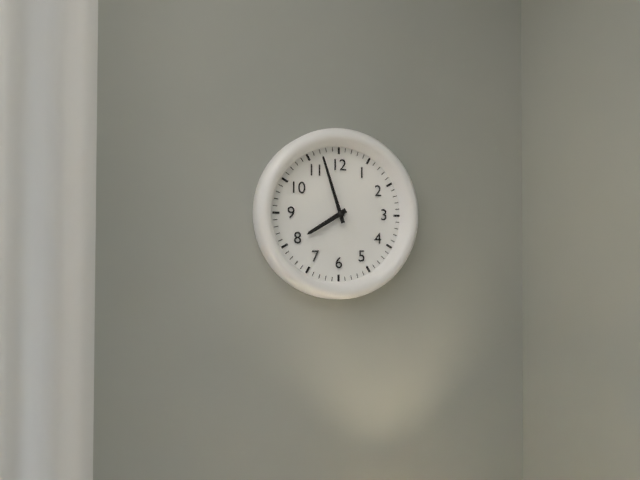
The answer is 7:57
